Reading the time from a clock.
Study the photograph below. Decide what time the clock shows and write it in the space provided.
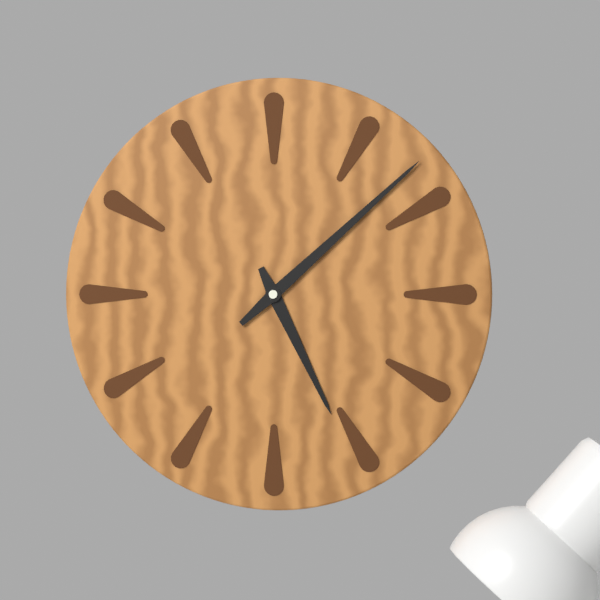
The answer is 5:08
